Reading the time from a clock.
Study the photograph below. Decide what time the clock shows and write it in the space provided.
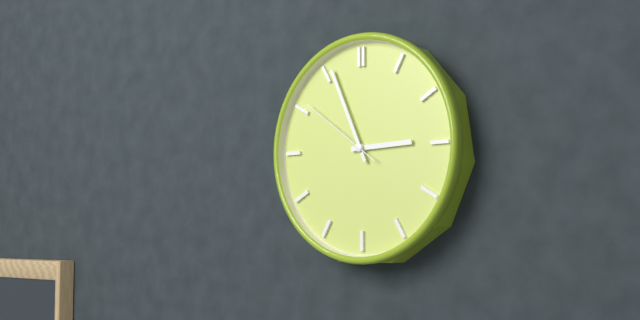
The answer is 2:56:51
